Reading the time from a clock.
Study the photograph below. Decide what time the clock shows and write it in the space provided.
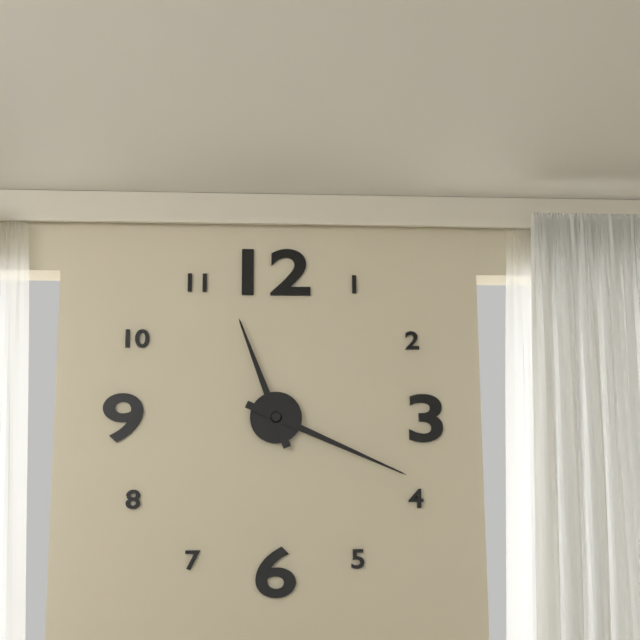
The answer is 11:19
